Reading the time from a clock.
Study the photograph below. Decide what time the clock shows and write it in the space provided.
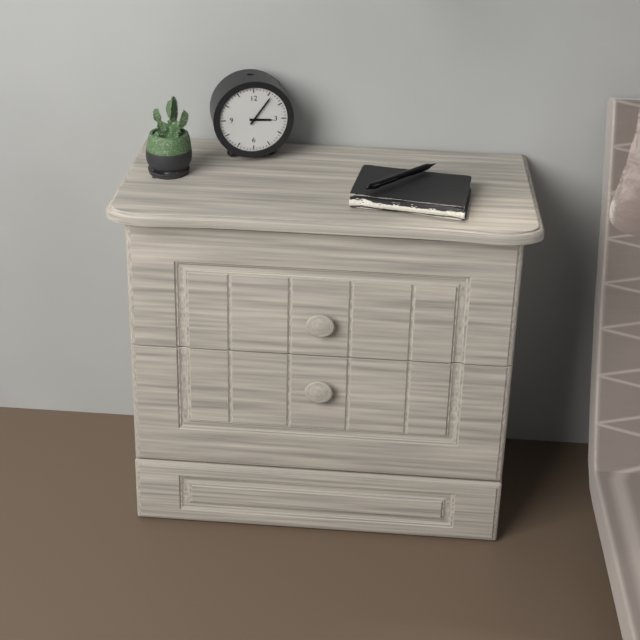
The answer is 3:06
